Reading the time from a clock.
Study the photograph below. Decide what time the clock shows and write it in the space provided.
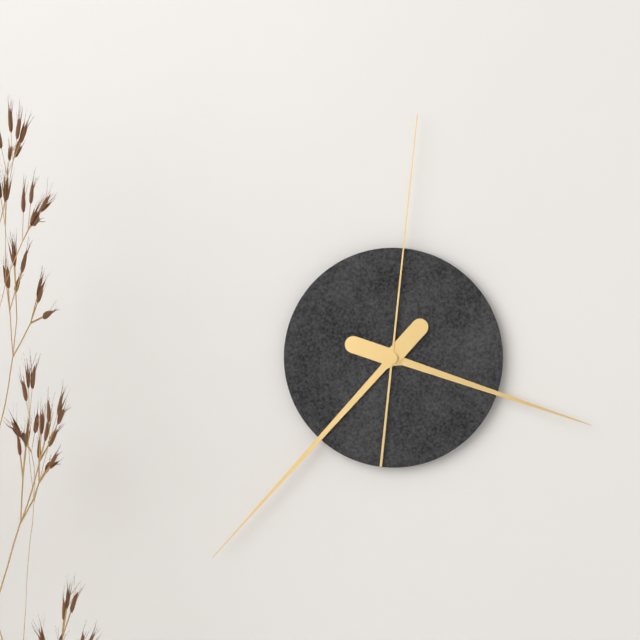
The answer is 3:37:01
